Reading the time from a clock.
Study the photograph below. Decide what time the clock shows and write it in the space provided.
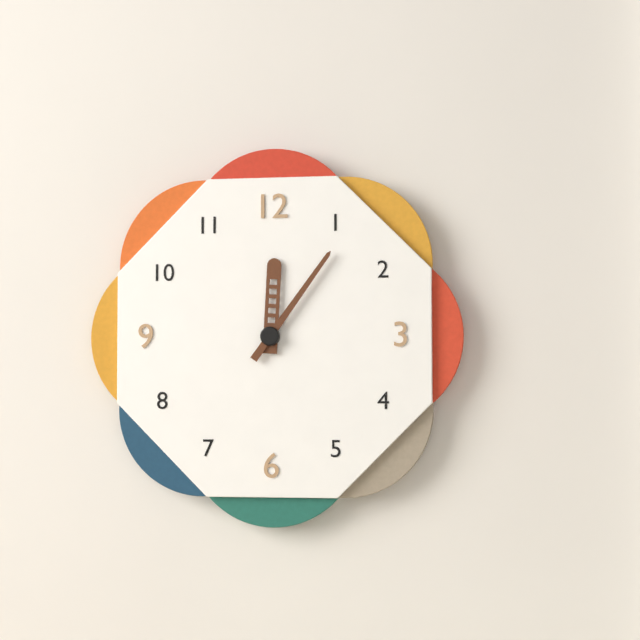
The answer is 12:06
